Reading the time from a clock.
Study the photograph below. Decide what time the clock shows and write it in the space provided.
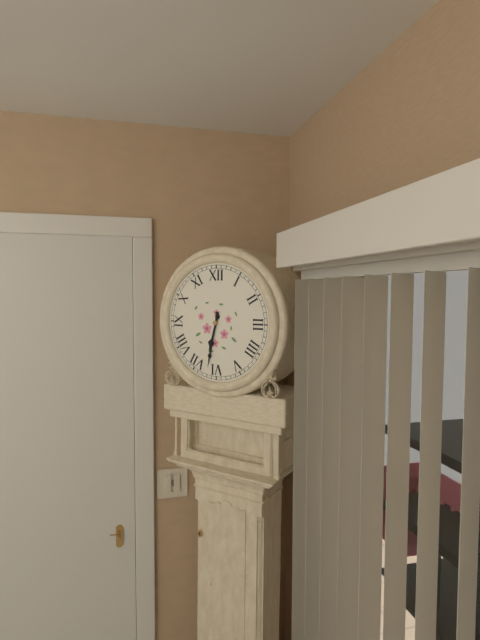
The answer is 6:32
